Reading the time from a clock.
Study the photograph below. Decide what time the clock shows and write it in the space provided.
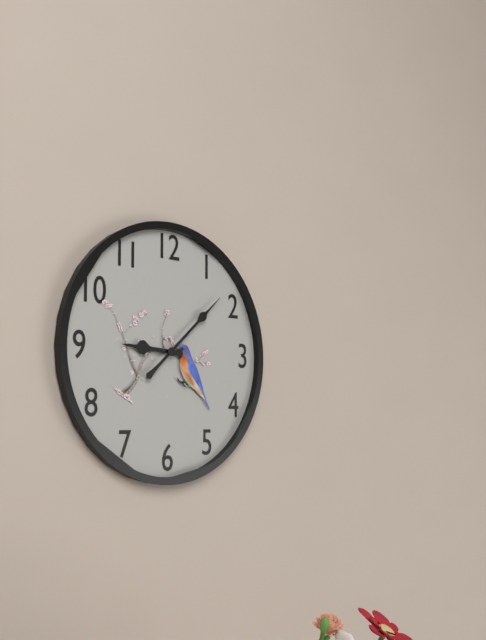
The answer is 9:08
